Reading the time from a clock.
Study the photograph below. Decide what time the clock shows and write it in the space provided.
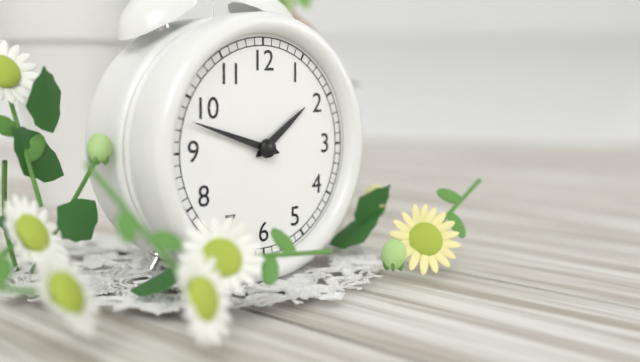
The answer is 1:48
